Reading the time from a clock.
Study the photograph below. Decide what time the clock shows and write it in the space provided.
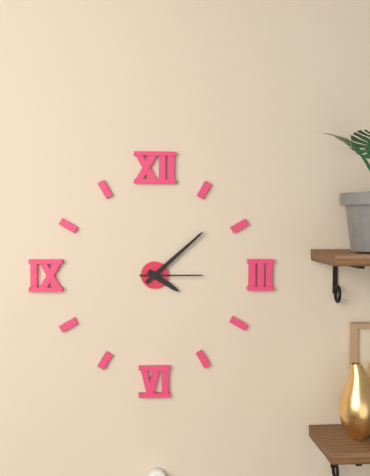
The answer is 4:08:15
